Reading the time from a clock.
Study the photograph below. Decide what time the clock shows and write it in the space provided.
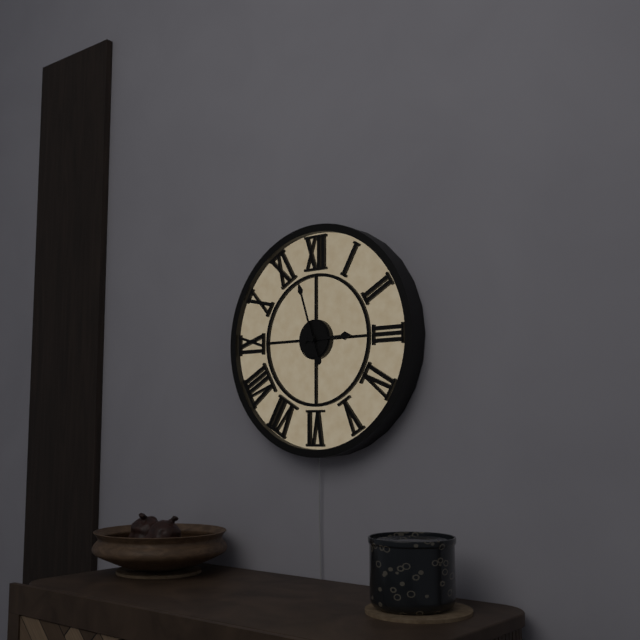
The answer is 2:57
